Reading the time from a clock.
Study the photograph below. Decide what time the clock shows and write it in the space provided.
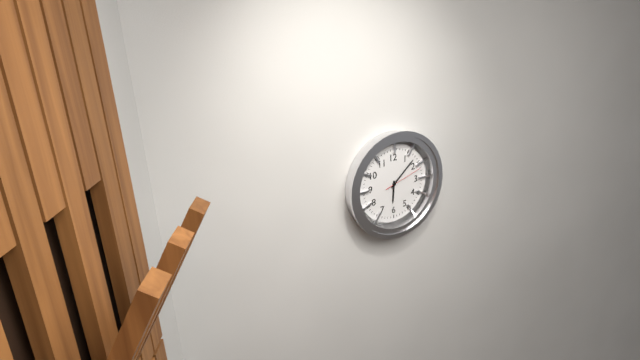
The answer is 6:08
